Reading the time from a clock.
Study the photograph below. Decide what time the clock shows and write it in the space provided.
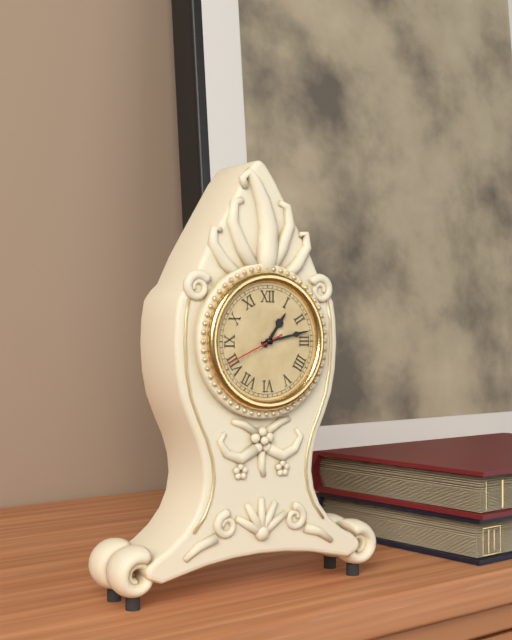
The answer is 1:13:41
